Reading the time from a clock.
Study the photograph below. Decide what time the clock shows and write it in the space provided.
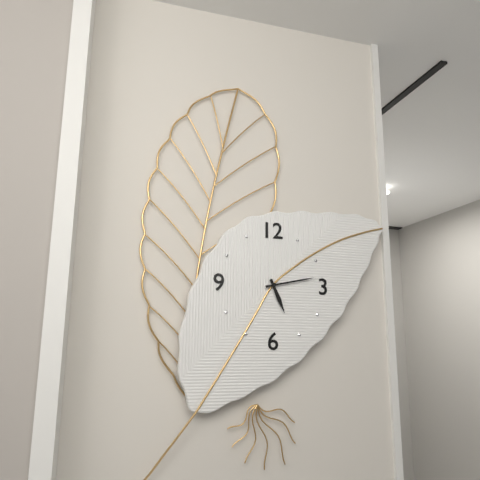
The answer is 5:13
